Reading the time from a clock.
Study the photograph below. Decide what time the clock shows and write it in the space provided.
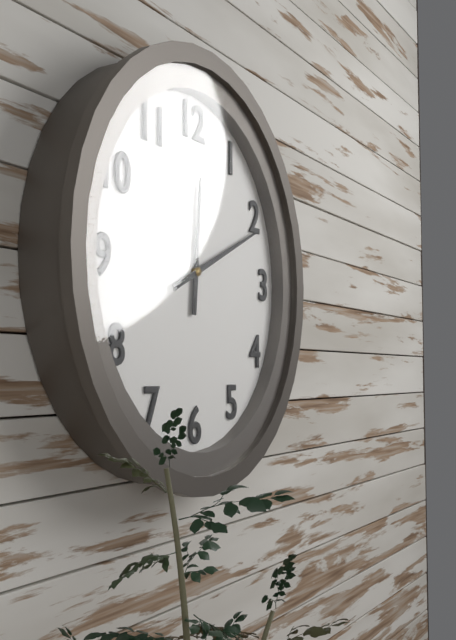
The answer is 12:11
